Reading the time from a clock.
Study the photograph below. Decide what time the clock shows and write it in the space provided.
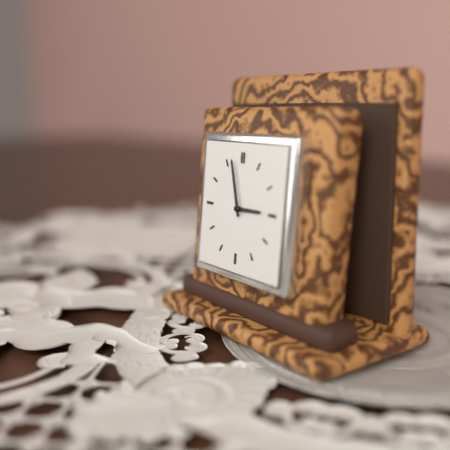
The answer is 2:57
